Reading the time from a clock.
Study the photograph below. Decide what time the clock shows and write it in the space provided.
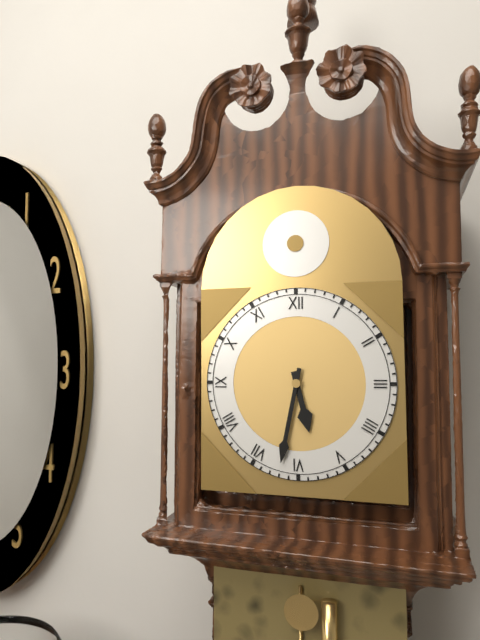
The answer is 5:32
